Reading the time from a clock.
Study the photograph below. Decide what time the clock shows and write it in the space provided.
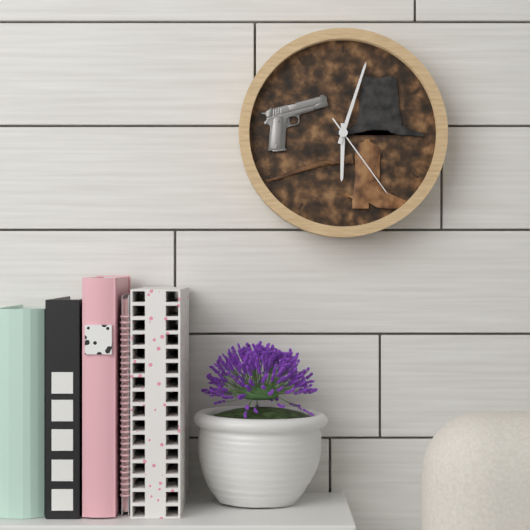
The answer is 6:03:24
